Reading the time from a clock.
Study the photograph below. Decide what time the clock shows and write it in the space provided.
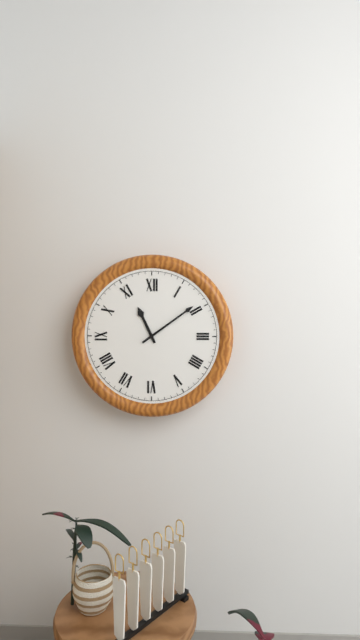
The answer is 11:09
